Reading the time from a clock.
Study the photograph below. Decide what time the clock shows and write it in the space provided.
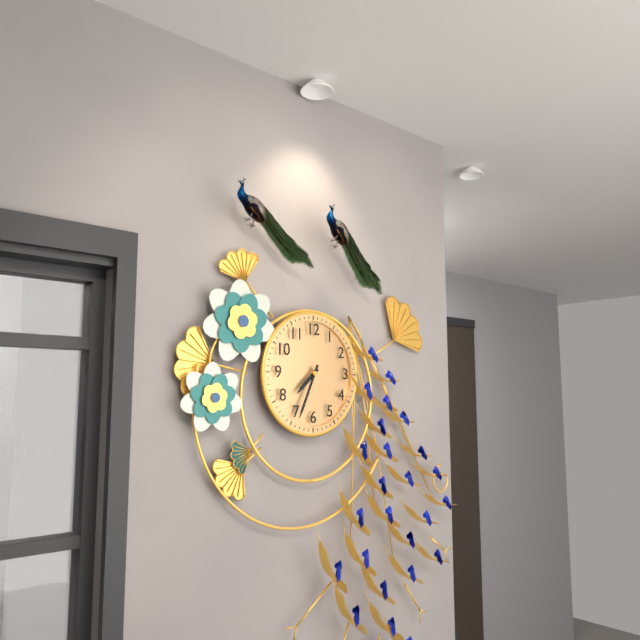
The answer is 7:34
